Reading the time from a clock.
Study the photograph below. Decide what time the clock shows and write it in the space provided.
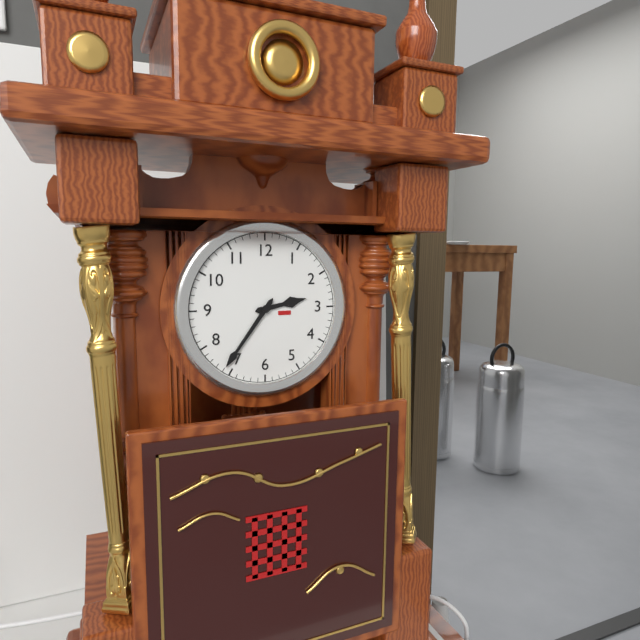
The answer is 2:36
